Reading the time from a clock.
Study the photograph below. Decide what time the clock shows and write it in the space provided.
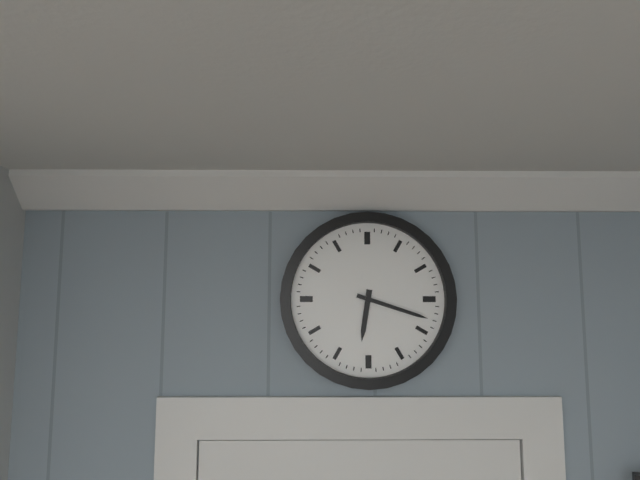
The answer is 6:18
